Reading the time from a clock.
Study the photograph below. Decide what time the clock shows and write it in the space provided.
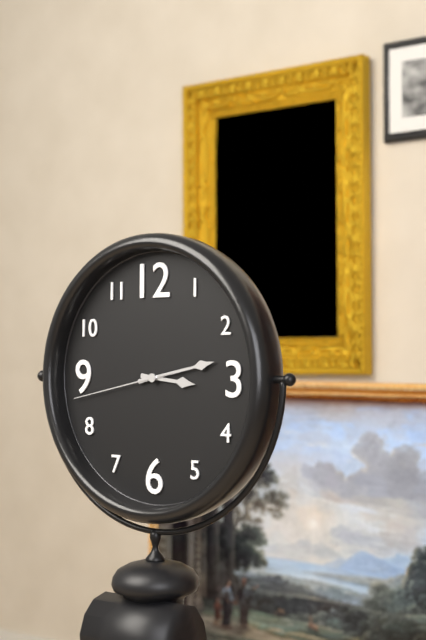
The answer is 3:13:43
